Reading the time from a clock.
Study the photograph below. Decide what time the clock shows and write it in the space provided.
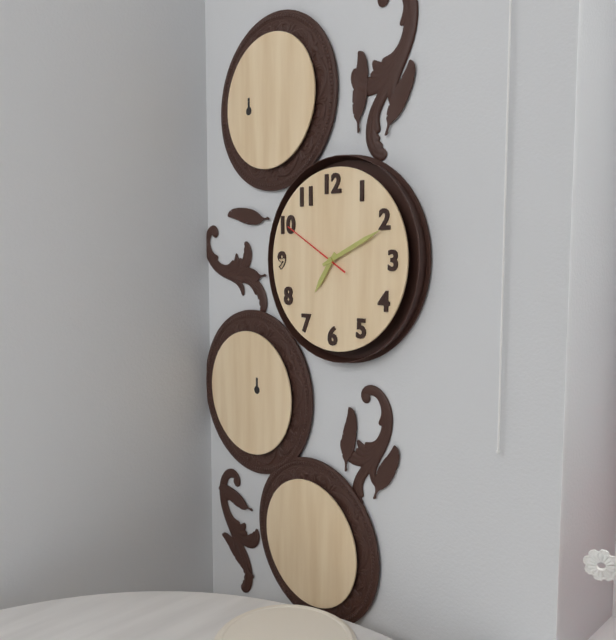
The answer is 7:11:50
